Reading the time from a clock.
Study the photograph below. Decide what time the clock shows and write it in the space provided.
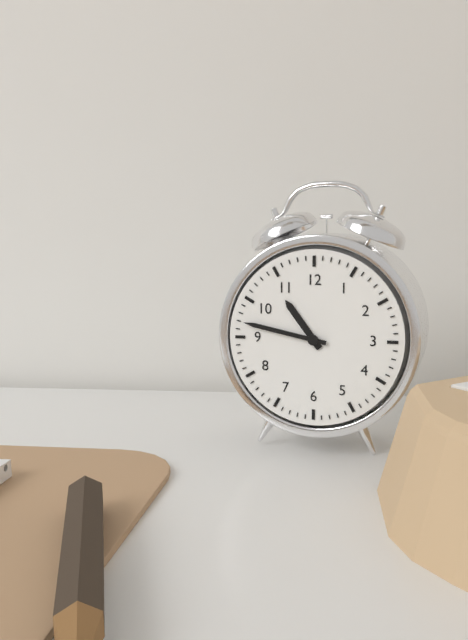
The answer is 10:47
